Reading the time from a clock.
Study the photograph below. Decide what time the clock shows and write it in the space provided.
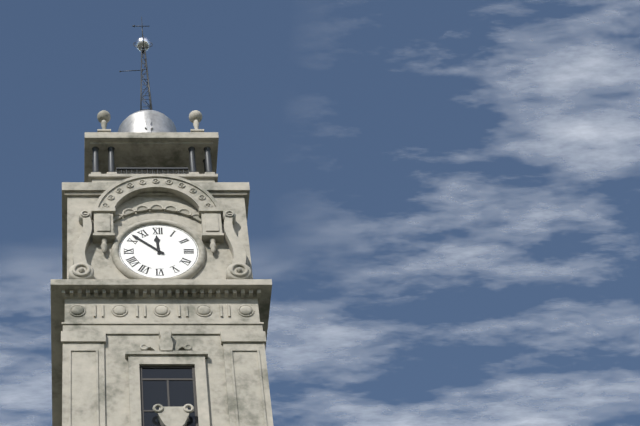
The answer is 11:52
